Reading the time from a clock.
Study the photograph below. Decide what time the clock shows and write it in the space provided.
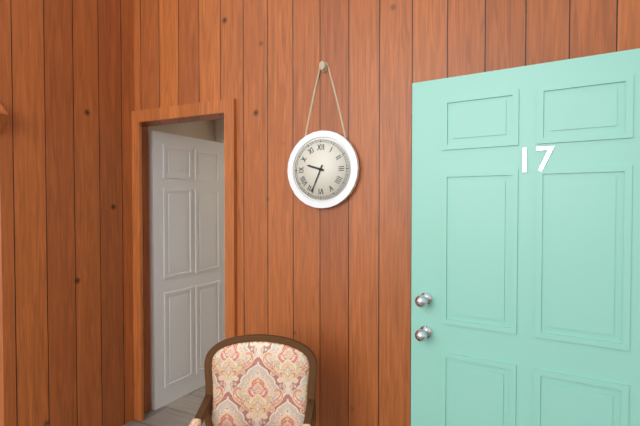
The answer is 9:34
